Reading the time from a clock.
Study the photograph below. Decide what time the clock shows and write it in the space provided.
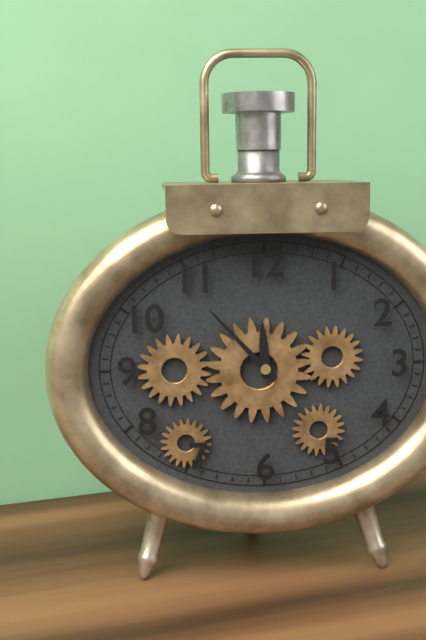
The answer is 11:53
